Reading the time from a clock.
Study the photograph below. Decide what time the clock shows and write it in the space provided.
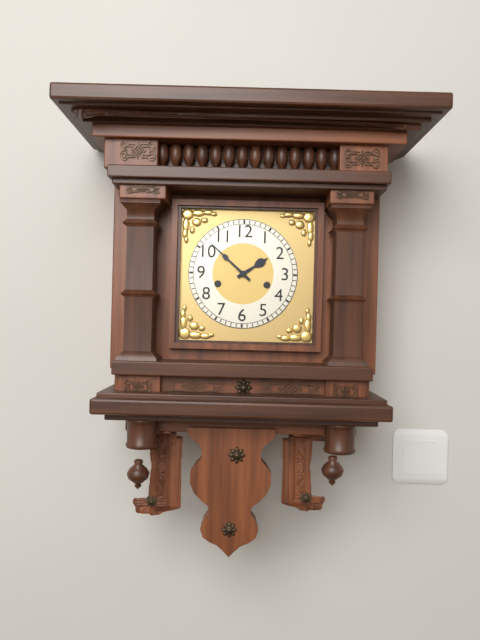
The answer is 1:52
